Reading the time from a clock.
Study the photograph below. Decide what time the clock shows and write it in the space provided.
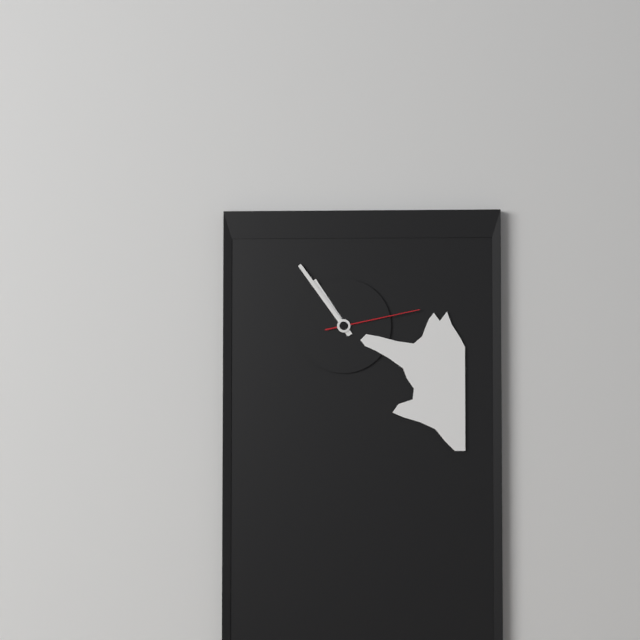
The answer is 10:54:13
